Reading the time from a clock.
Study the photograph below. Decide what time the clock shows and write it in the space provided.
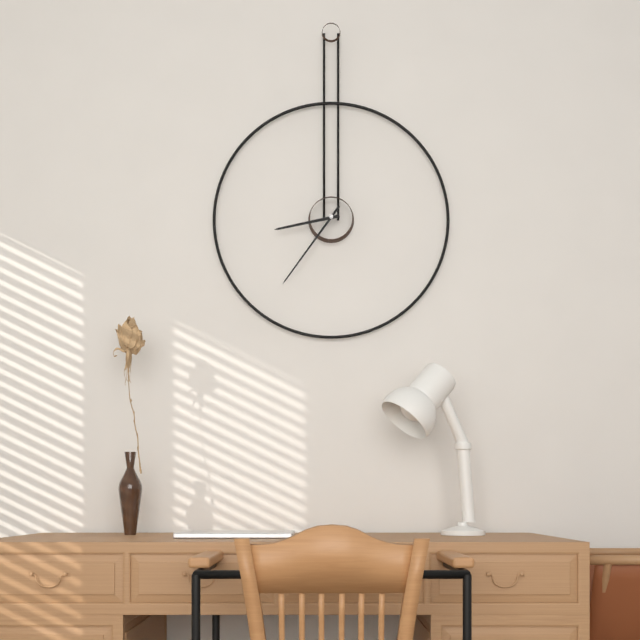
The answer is 8:36
